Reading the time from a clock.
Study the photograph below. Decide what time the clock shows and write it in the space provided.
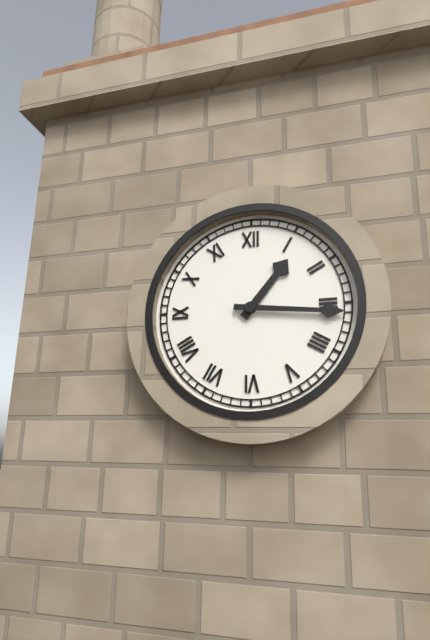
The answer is 1:16
